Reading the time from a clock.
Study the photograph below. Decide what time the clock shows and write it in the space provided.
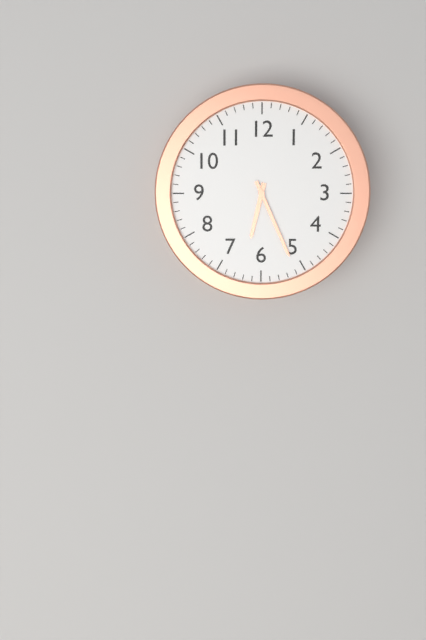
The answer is 6:26
